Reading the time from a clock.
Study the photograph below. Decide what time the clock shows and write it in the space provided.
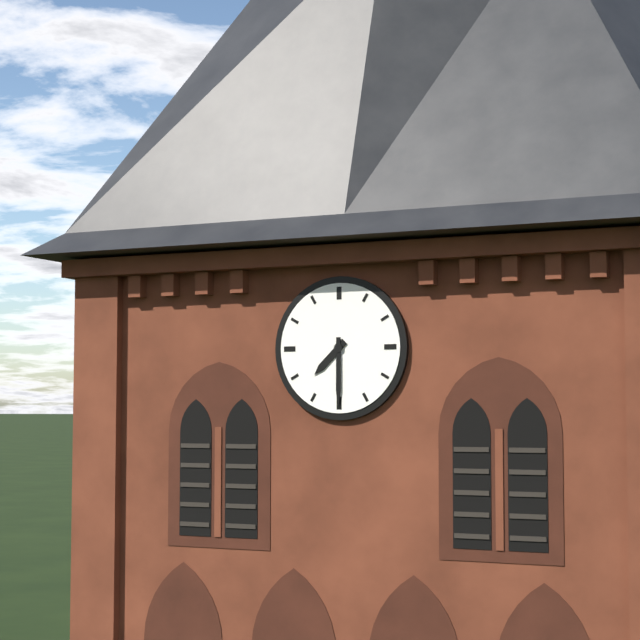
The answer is 7:30
